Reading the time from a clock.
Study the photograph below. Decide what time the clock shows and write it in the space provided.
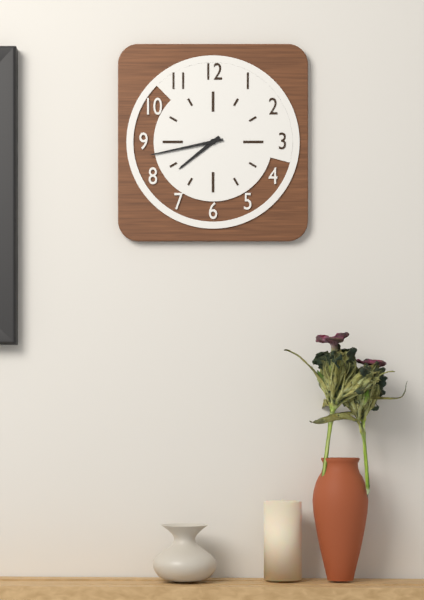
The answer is 7:43
